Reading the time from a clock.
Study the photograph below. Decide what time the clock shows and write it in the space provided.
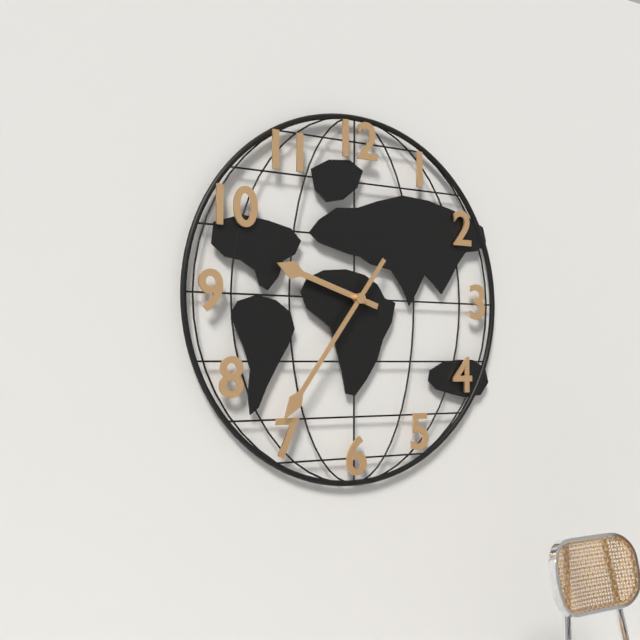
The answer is 9:36
